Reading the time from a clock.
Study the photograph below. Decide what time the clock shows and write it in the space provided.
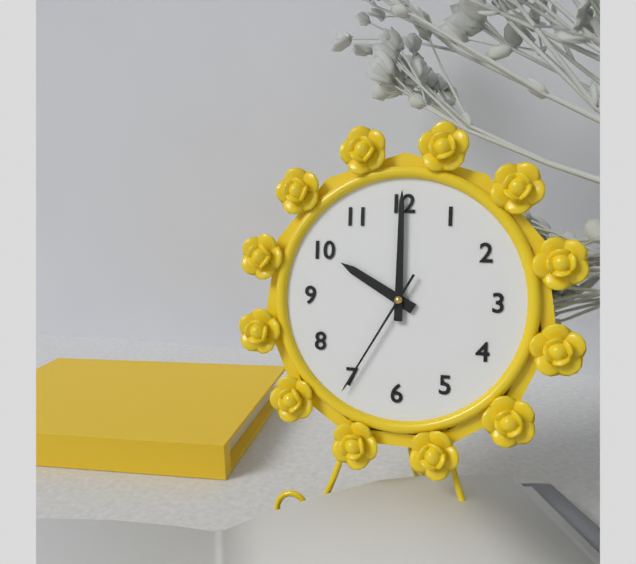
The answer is 10:00:35
